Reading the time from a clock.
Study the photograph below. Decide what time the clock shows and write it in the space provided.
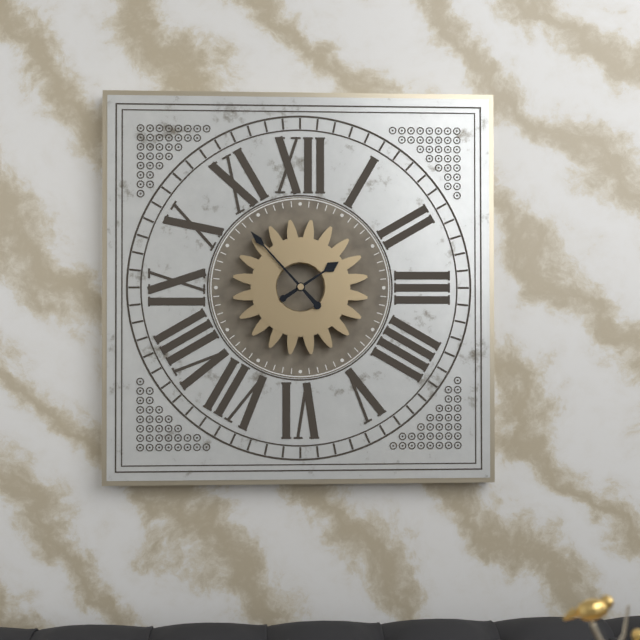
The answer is 1:53
